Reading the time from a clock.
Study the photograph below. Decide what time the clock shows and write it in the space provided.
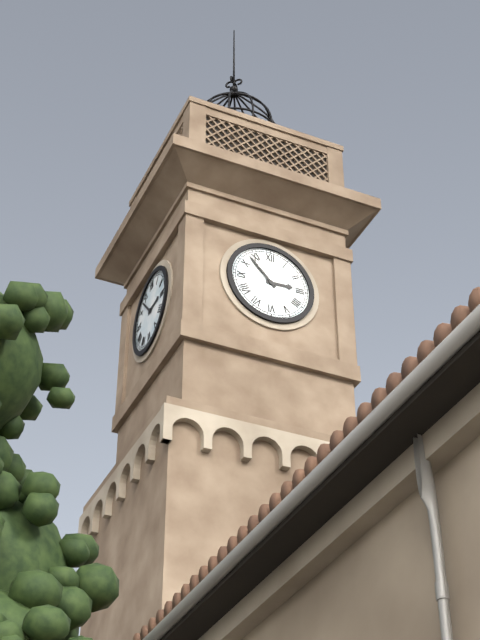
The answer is 2:53
